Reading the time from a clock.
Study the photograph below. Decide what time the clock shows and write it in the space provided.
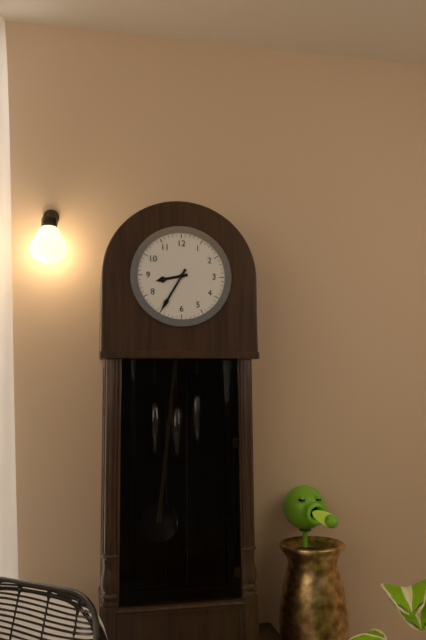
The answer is 8:35
